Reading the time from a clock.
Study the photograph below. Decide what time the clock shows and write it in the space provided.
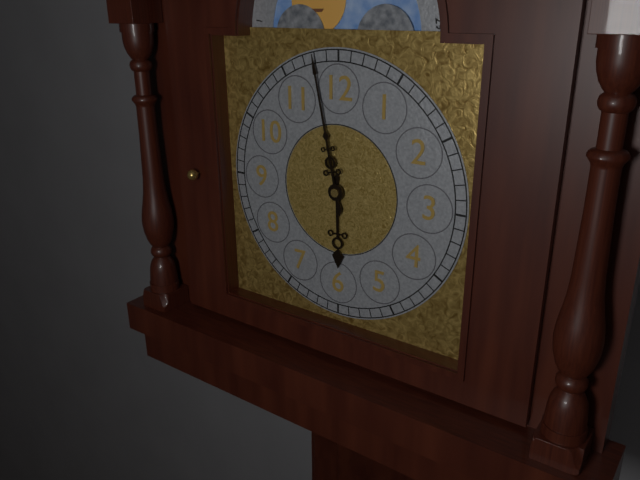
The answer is 5:58
